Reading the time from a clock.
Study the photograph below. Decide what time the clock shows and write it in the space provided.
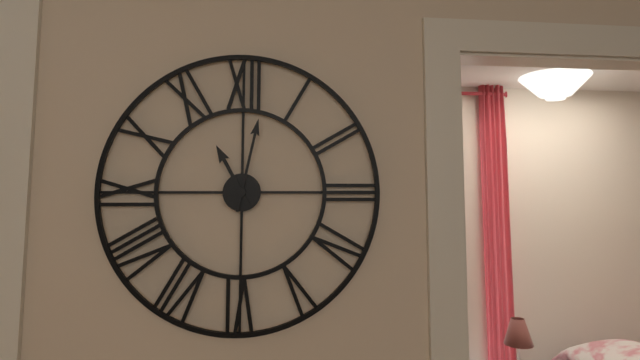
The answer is 11:02
